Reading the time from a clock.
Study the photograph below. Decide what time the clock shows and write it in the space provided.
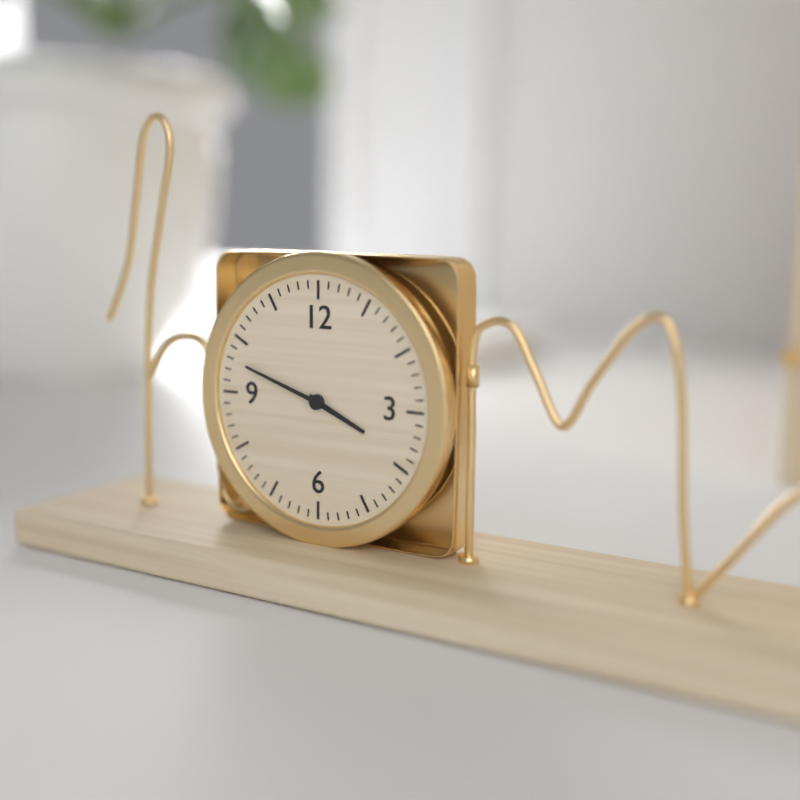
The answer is 3:48
